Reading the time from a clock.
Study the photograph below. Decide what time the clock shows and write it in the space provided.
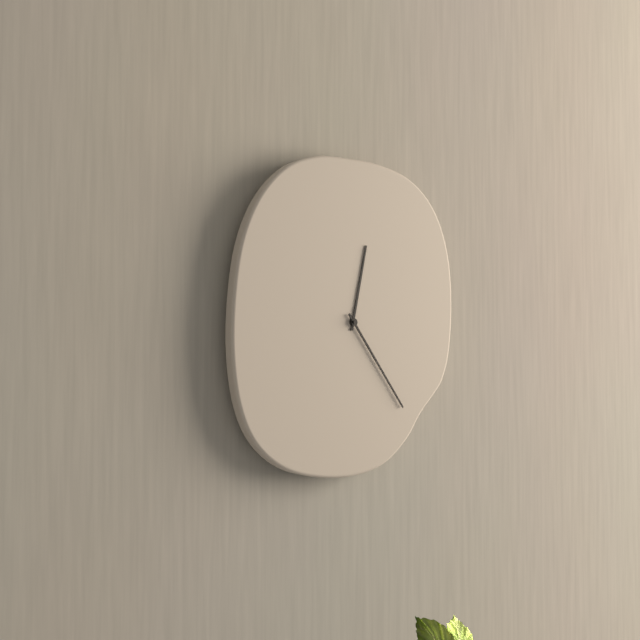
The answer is 12:24
